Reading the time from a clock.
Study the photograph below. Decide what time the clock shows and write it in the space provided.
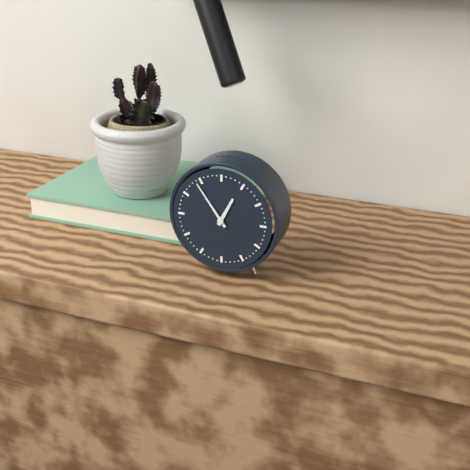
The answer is 12:54
